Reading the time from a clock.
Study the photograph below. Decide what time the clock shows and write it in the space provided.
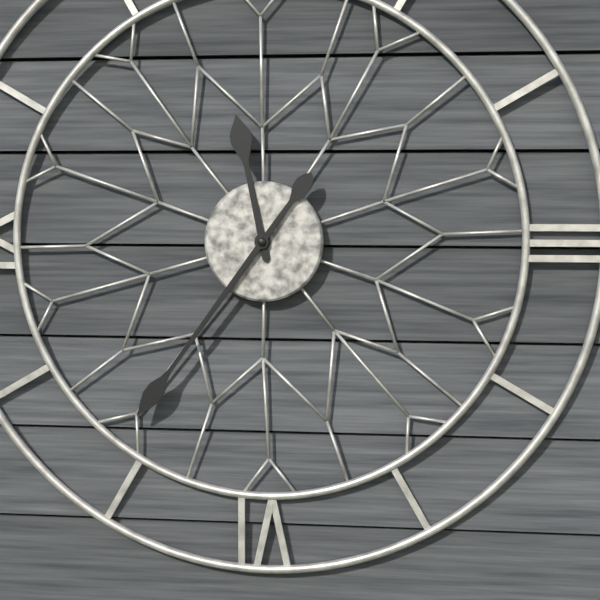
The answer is 11:36
